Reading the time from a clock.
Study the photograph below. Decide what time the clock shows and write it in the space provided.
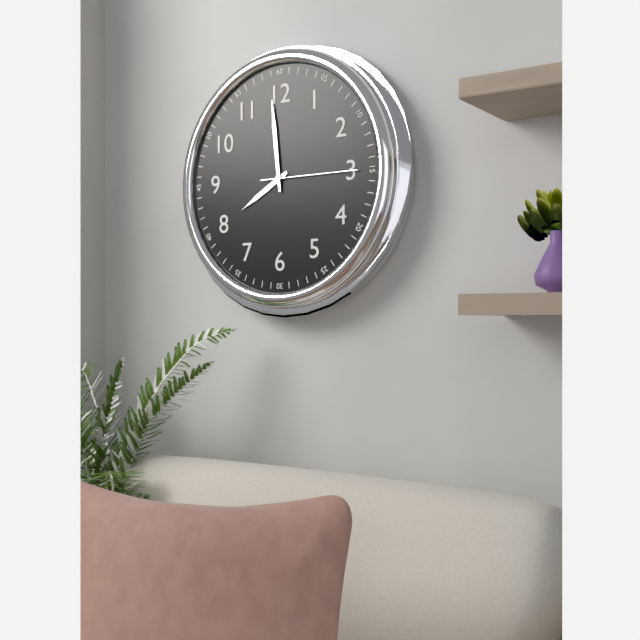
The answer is 7:59:15
